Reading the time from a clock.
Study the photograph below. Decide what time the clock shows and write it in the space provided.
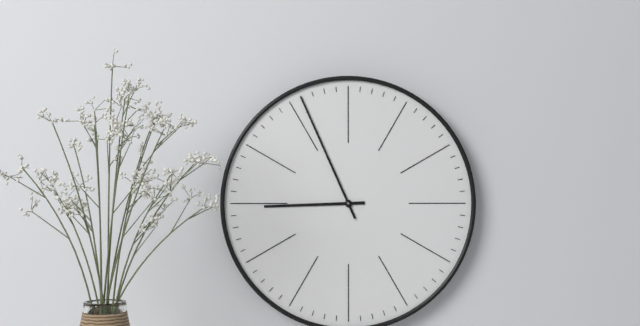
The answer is 8:56
